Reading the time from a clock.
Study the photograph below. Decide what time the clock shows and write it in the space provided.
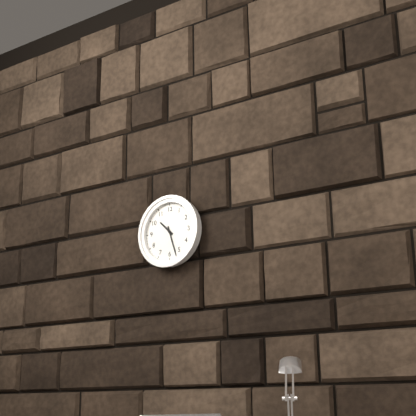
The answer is 10:27
